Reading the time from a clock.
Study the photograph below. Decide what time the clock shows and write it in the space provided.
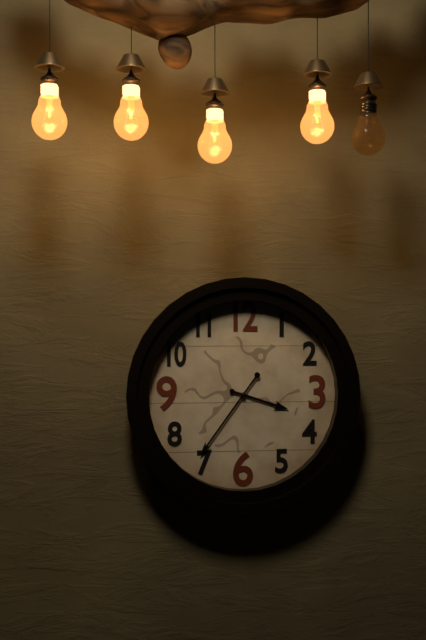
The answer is 3:36
